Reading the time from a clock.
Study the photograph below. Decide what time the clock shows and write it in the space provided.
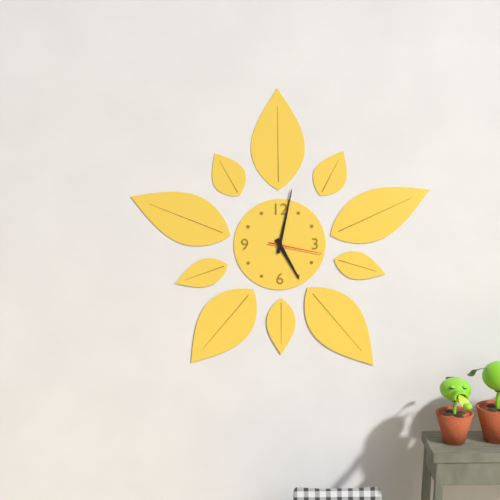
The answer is 5:02:17
